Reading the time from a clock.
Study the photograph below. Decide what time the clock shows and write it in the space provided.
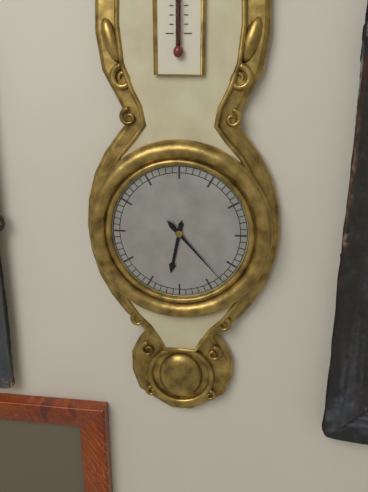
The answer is 6:23
